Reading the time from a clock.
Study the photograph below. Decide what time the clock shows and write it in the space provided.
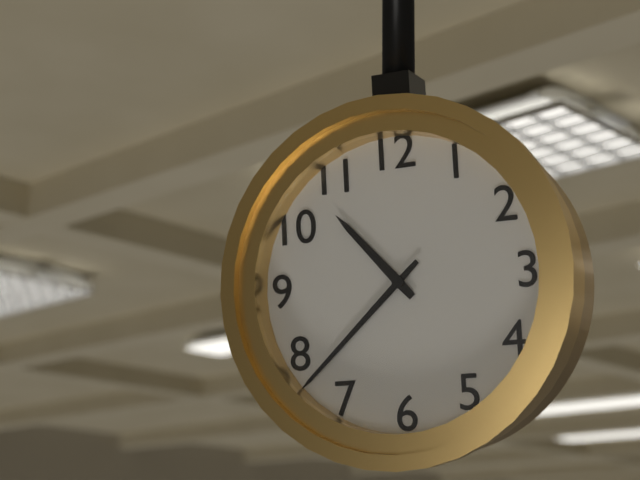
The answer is 10:38
